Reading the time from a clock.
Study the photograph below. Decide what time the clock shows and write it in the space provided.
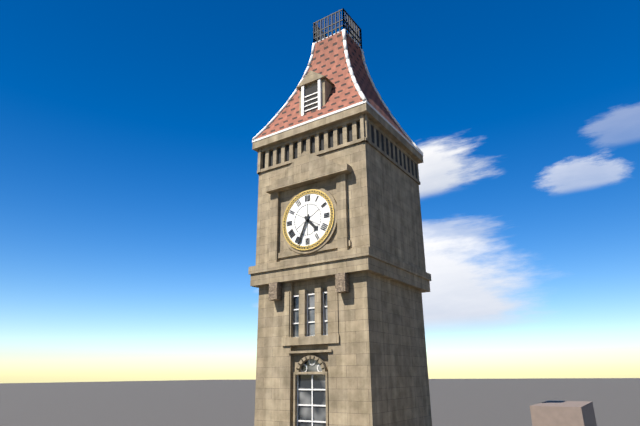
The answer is 4:34
